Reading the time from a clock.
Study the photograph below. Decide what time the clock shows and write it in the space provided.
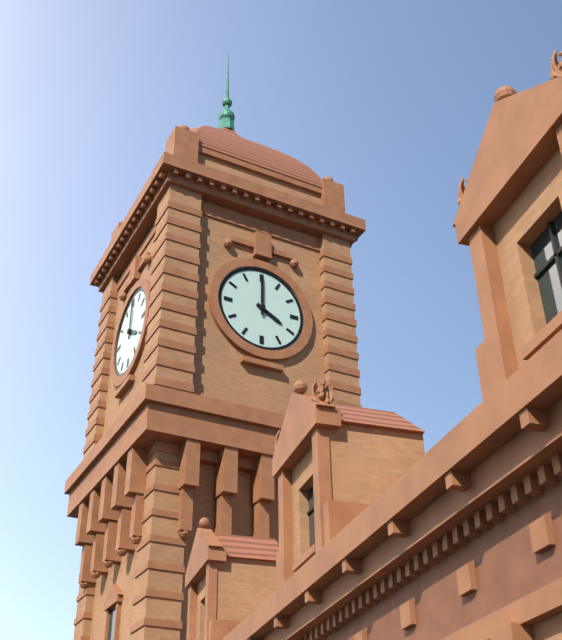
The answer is 4:00
